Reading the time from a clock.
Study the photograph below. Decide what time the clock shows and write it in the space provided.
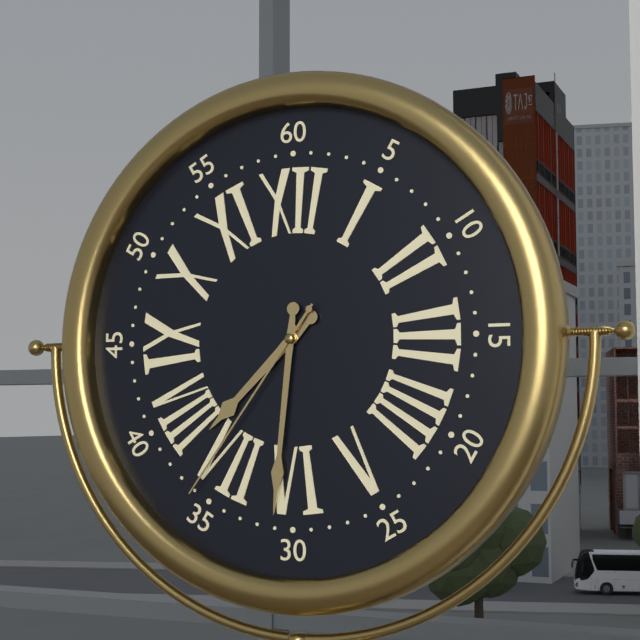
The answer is 7:31:36
